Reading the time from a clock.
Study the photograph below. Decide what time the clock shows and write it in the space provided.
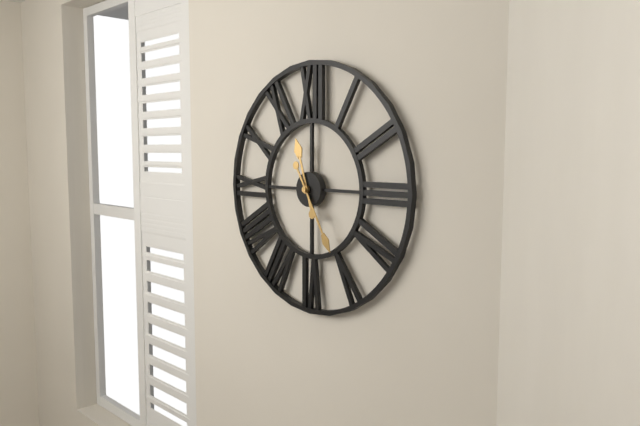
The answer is 11:25
